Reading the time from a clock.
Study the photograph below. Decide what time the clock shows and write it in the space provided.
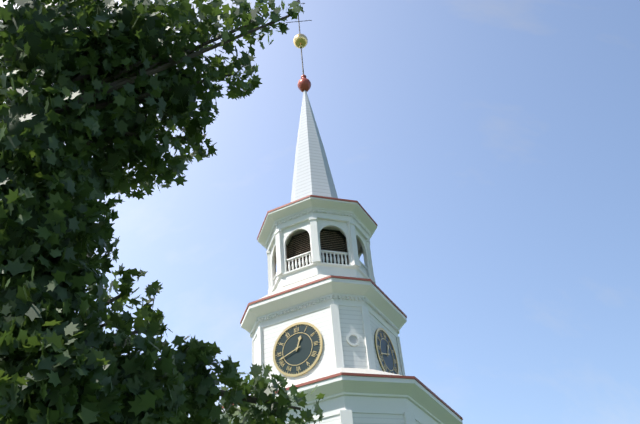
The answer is 12:42
